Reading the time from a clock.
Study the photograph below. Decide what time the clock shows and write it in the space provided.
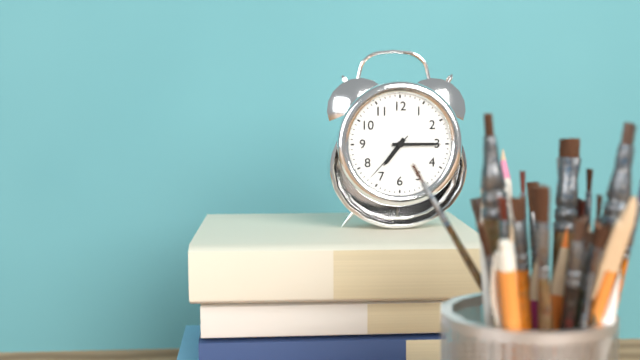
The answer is 7:15:37
